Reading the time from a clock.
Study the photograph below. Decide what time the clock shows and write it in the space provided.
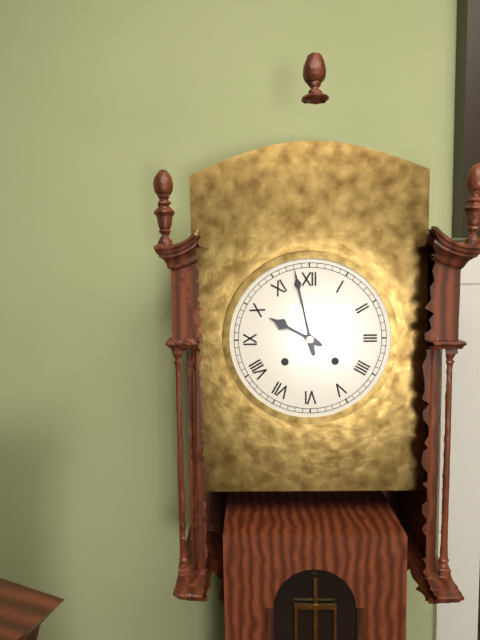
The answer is 9:58
